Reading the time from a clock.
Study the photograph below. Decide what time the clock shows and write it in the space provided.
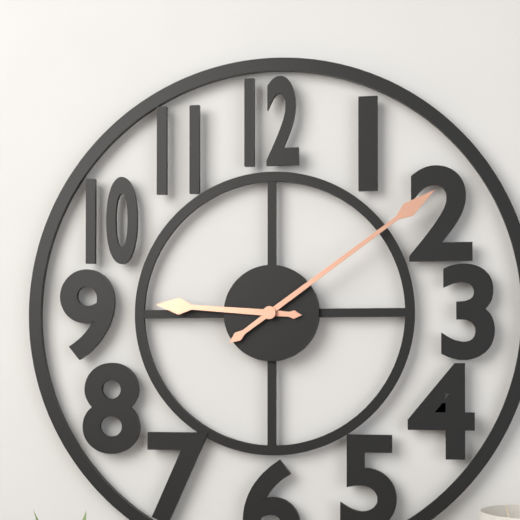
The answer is 9:09
